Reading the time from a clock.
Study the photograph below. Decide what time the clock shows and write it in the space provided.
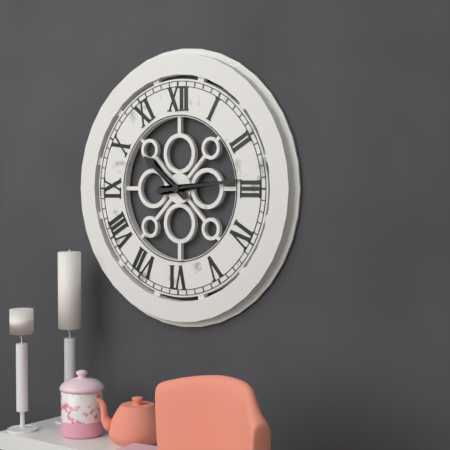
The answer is 10:14
